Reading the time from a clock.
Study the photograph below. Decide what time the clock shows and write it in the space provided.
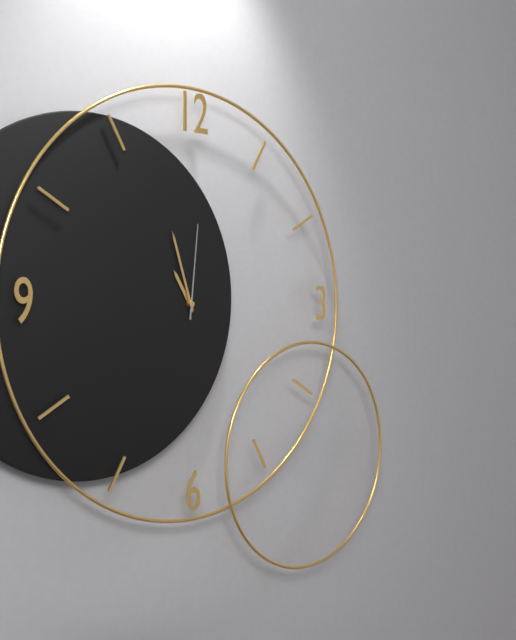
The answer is 10:57:01
